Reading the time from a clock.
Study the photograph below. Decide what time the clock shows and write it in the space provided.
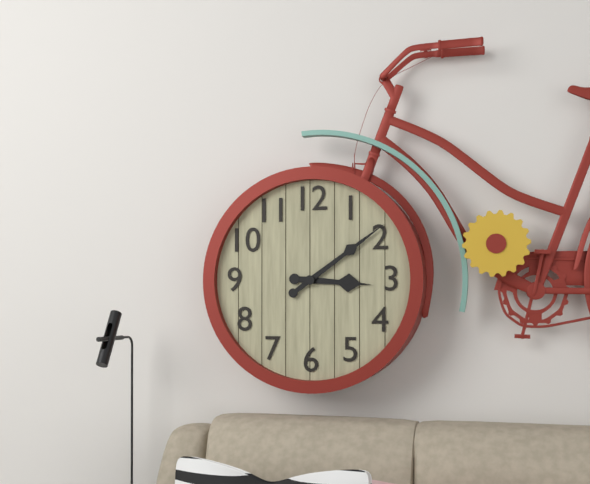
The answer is 3:09
